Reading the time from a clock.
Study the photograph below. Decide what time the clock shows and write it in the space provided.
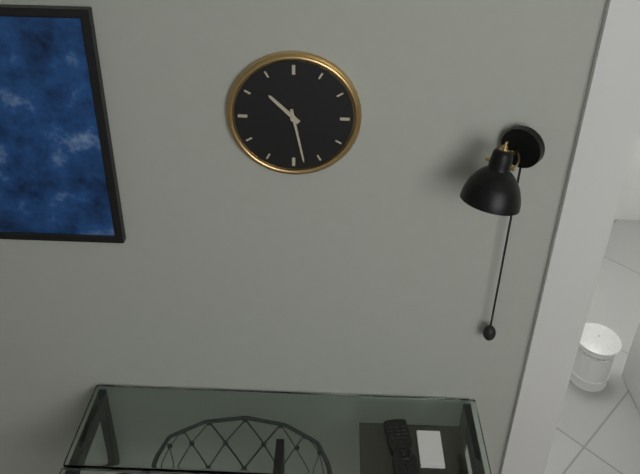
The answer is 10:28
